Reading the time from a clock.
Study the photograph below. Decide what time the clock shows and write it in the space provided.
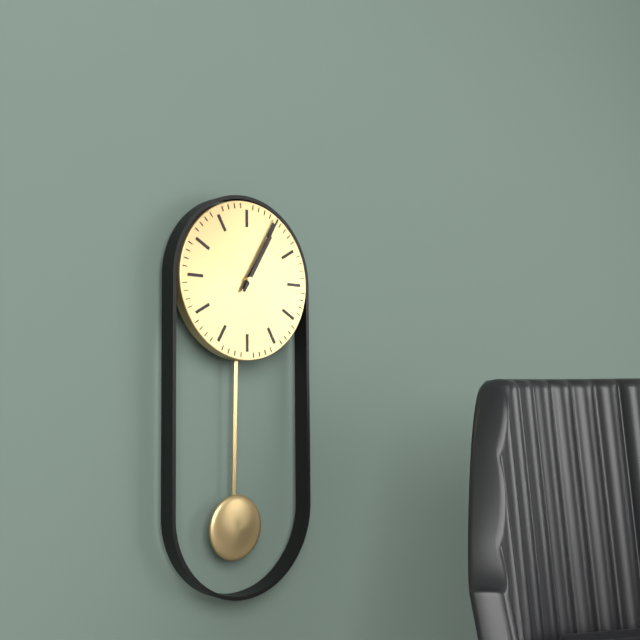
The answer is 1:05
